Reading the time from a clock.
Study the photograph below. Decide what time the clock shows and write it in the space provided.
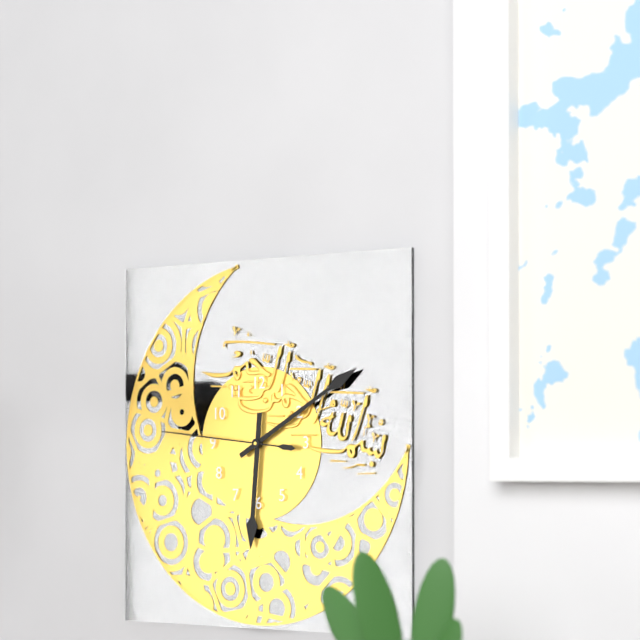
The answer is 6:10:46
